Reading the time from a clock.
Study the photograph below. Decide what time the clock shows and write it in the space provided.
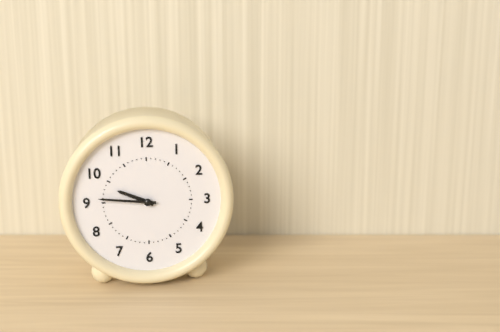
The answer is 9:46
